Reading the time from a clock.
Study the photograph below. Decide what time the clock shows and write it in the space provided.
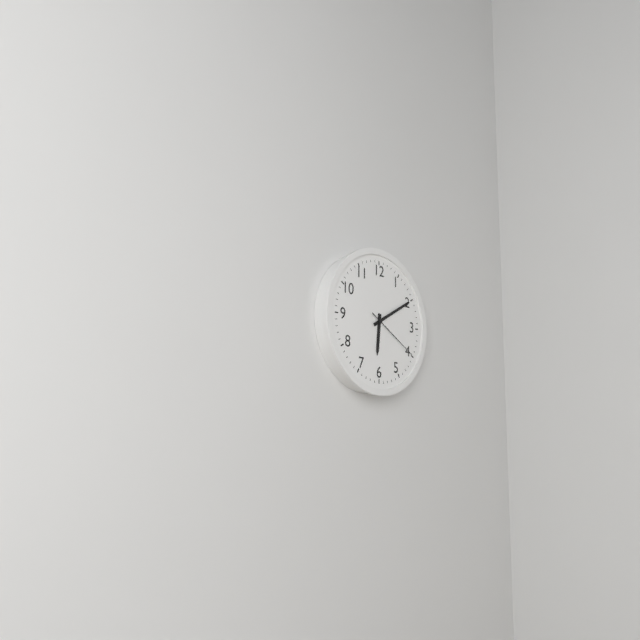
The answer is 6:10:20
